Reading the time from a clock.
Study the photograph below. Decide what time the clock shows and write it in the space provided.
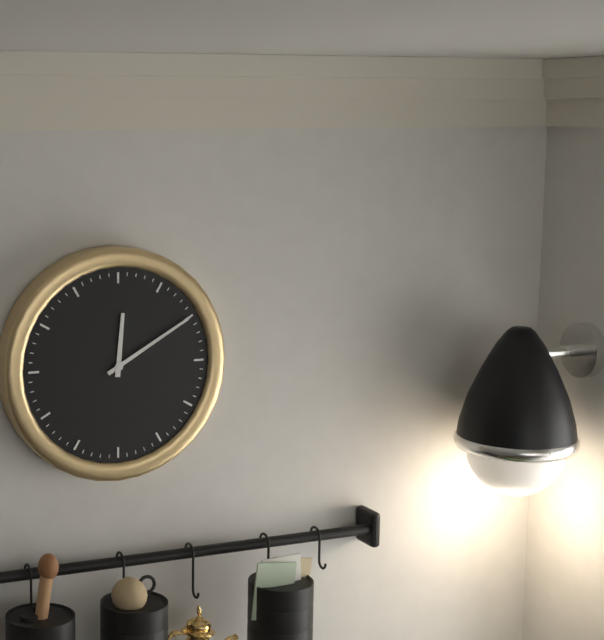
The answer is 12:10
